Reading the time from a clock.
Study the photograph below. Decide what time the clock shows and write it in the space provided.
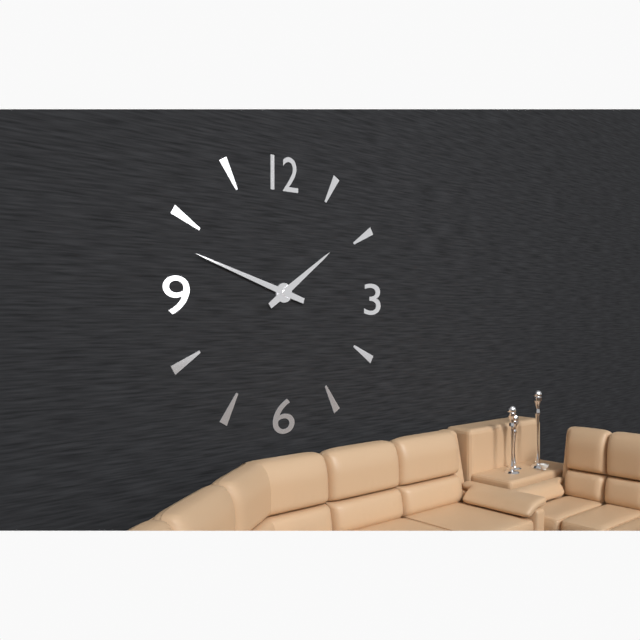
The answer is 1:48
